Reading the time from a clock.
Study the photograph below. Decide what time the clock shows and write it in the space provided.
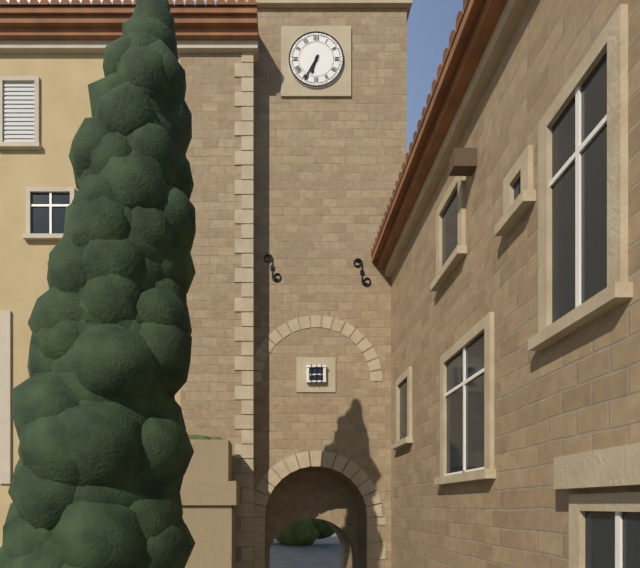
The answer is 6:35
